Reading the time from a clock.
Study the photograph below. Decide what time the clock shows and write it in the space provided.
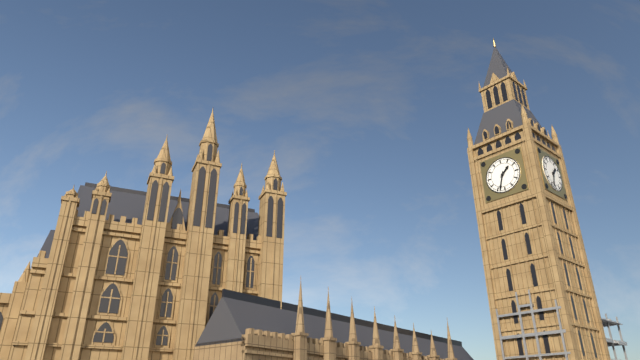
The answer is 1:33
